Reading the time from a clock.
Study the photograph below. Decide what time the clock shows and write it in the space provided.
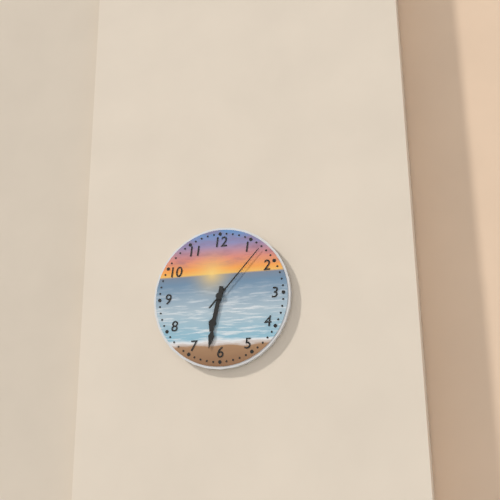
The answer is 6:32:07
